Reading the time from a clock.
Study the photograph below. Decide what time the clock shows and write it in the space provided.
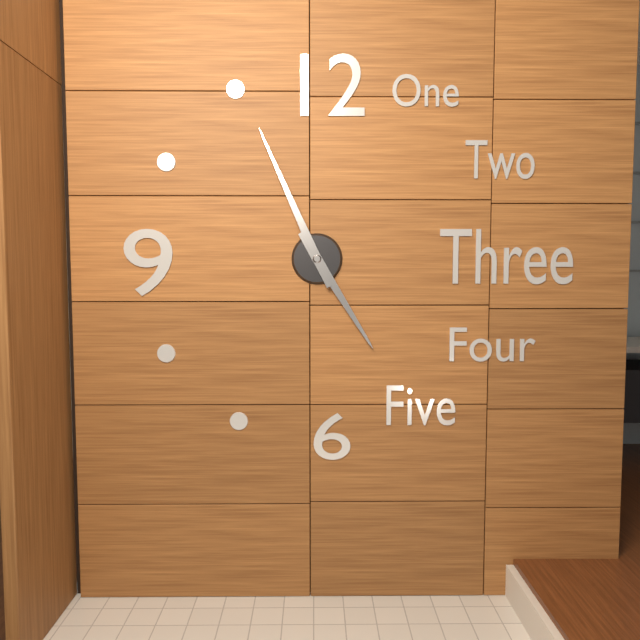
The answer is 4:56
